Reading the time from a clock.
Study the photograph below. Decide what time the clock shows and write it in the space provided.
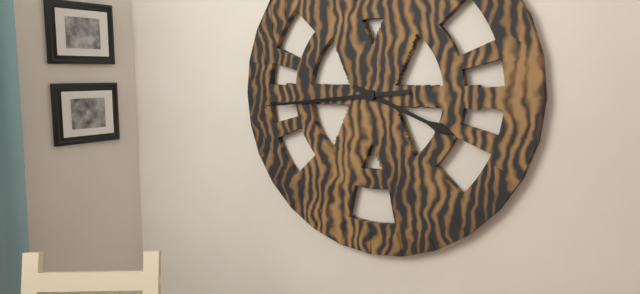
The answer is 3:44
